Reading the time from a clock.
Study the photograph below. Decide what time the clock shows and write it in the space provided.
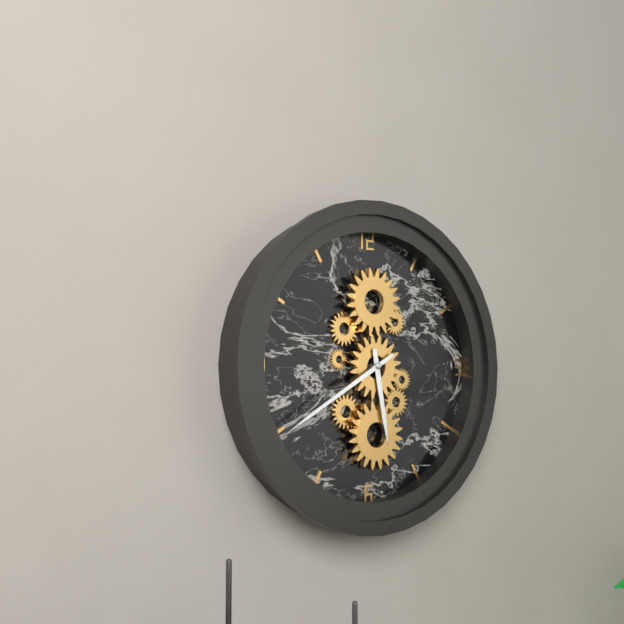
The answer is 5:40
